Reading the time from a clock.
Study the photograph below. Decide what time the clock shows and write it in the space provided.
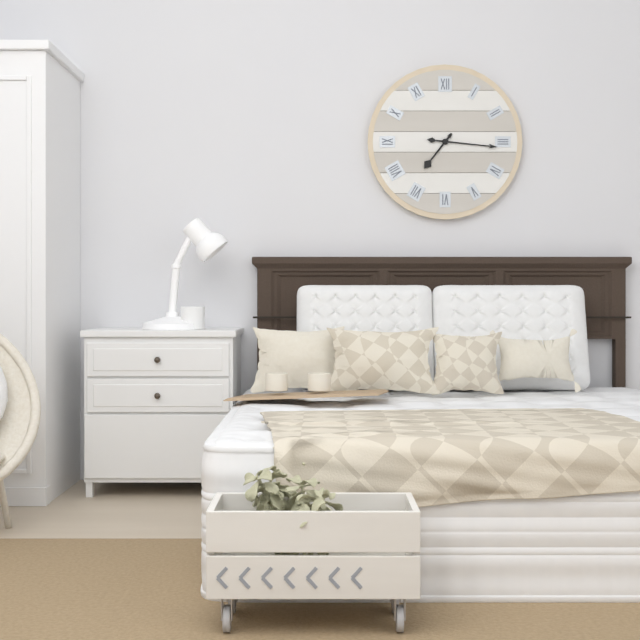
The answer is 7:16
